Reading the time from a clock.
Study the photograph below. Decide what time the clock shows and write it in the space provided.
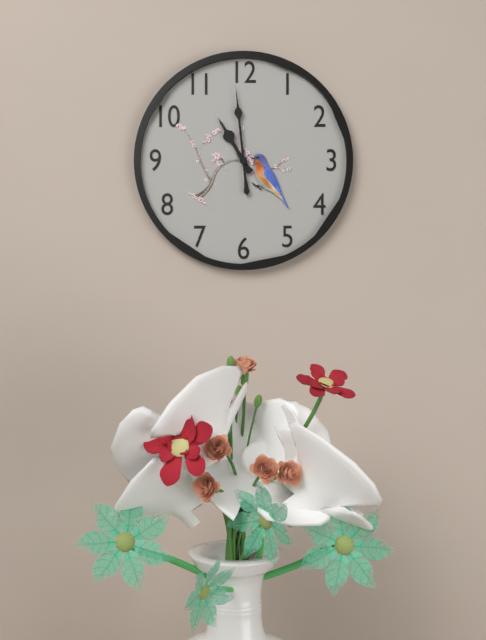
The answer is 10:59
